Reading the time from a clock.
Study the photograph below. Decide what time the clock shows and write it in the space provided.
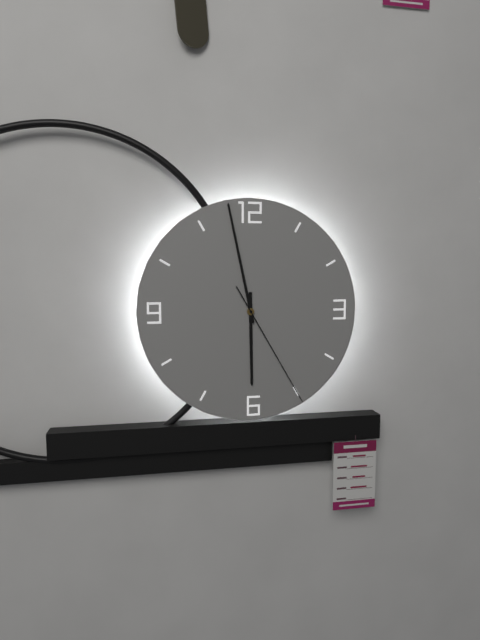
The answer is 5:58:25
